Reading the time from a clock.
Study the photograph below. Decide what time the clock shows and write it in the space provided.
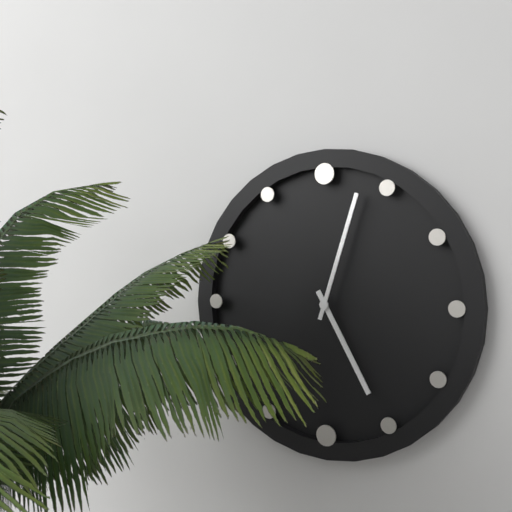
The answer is 5:03
